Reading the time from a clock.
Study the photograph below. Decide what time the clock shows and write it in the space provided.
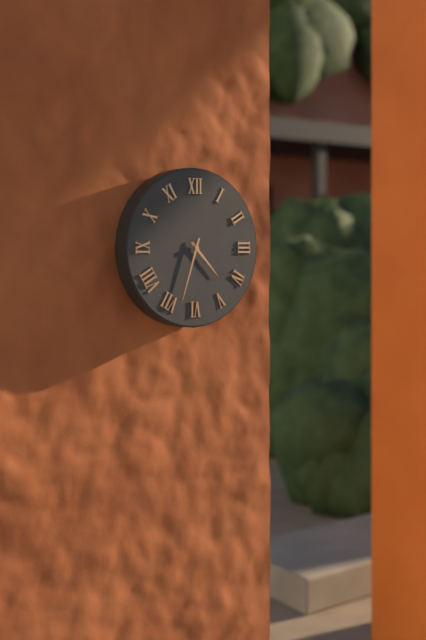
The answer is 4:33
